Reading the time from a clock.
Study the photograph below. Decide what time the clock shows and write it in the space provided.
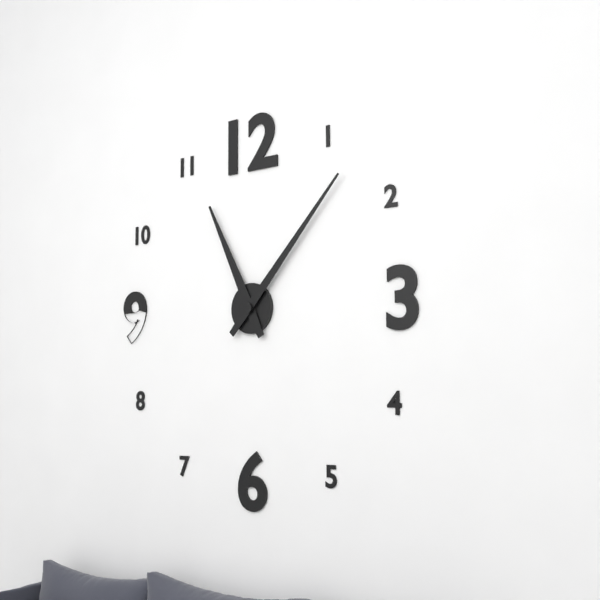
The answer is 11:07
